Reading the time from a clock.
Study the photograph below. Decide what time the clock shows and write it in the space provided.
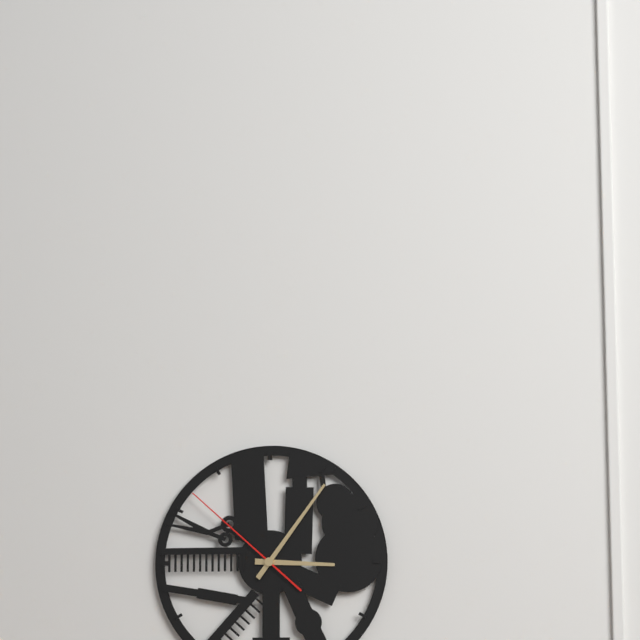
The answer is 3:06:52
